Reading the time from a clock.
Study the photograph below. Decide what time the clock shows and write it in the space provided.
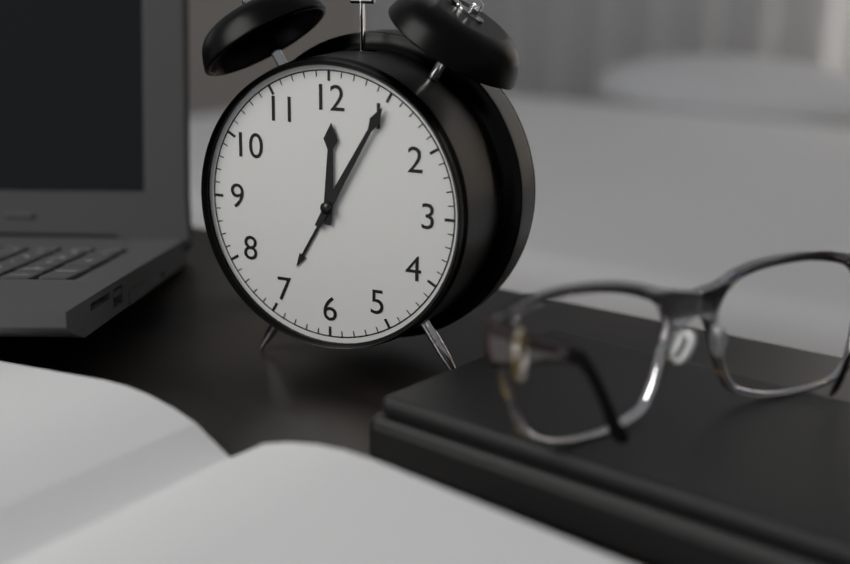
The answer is 12:05
